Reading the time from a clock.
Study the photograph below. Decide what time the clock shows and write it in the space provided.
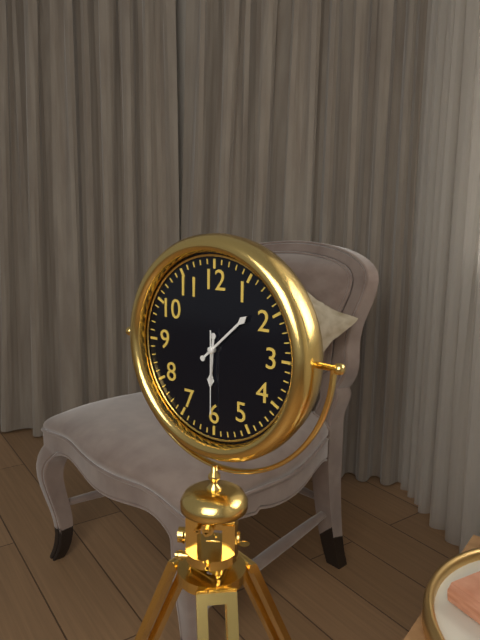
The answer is 6:08:30
